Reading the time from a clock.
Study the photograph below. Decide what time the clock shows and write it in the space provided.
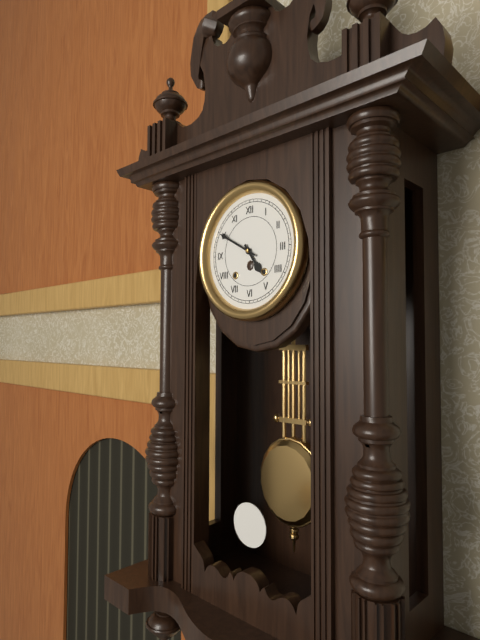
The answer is 4:50
